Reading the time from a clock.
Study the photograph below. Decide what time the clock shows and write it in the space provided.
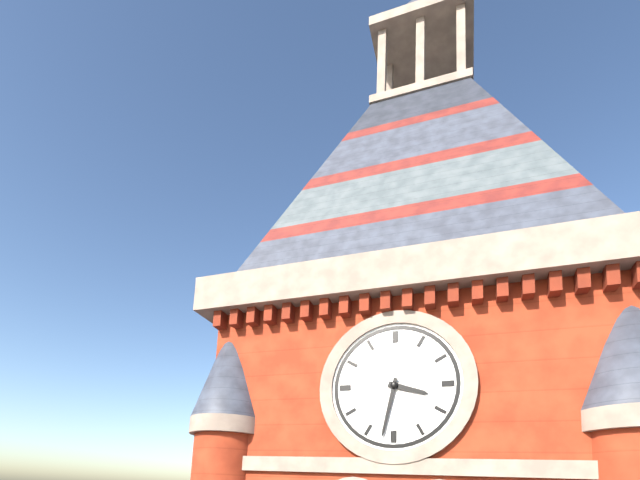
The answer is 3:32
